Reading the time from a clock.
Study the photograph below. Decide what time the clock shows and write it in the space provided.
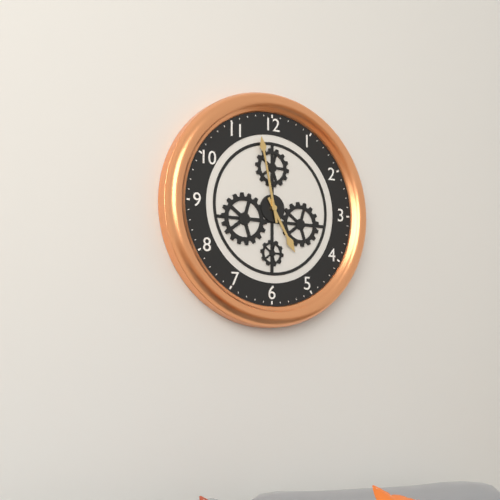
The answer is 4:58
